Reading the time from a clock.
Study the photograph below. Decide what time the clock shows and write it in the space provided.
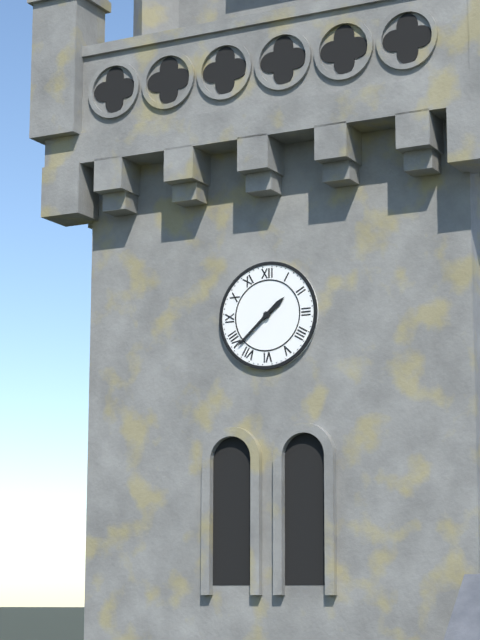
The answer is 1:38
